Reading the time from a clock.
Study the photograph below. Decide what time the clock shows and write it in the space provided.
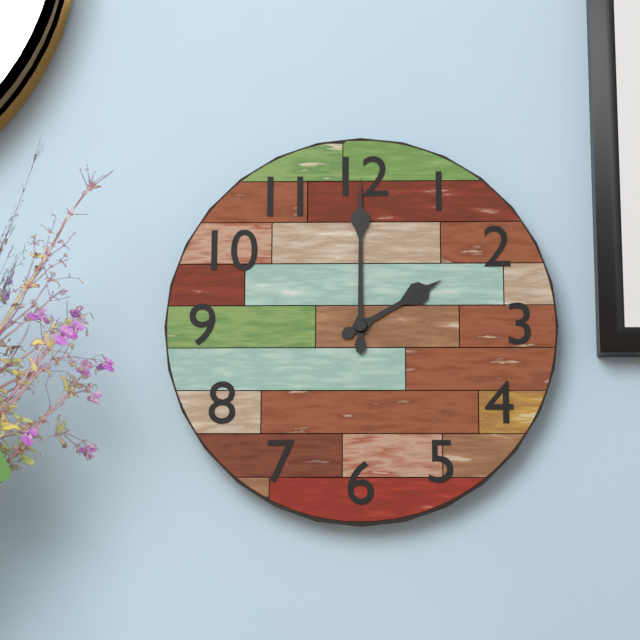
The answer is 2:00
